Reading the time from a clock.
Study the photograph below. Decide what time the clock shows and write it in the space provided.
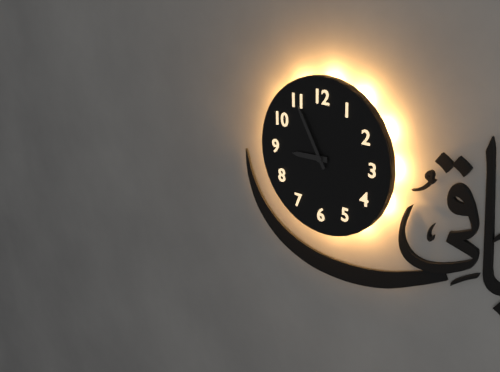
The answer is 8:55
